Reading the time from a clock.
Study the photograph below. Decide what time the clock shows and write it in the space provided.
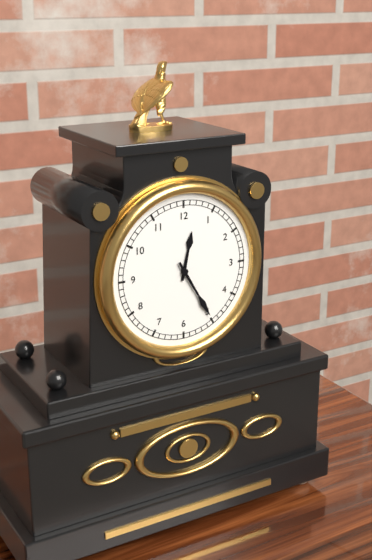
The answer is 12:25
